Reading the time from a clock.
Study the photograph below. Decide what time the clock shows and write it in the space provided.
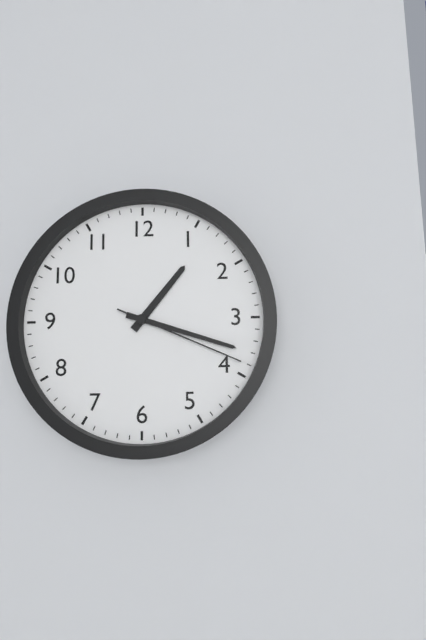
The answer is 1:18:19
